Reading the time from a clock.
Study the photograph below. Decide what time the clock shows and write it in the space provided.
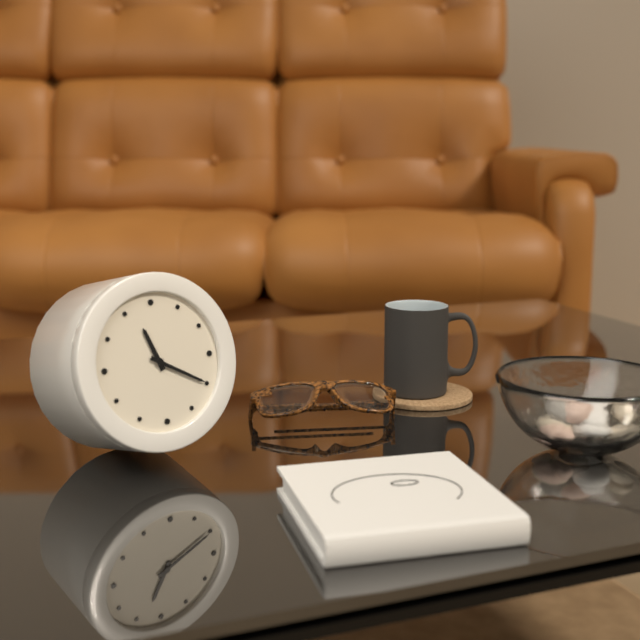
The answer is 11:20
